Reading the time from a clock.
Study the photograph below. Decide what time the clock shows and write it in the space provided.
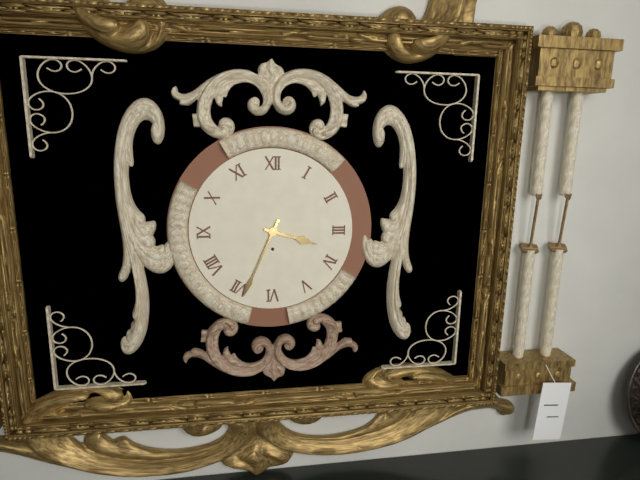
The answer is 3:34
